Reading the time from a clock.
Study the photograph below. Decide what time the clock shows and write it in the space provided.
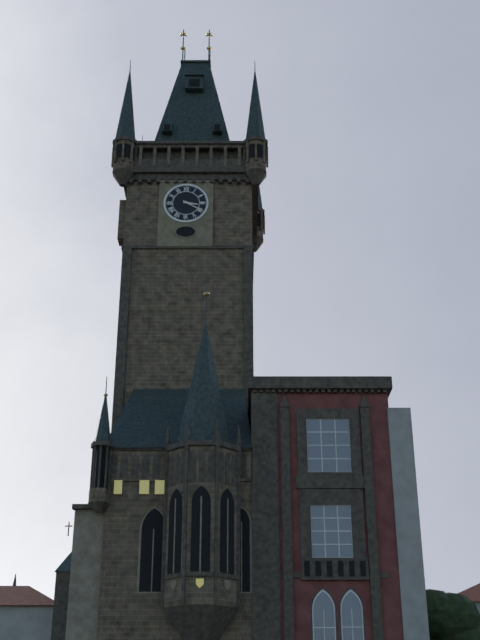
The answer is 3:20
